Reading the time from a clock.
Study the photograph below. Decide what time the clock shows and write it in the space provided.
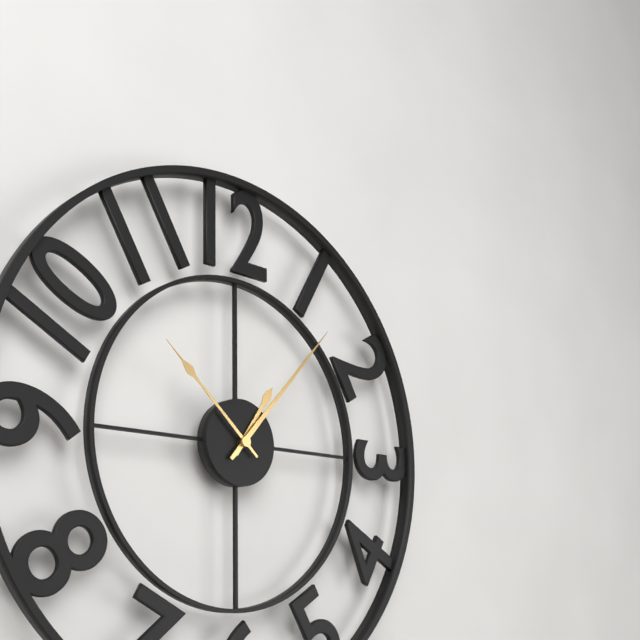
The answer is 1:07:52
